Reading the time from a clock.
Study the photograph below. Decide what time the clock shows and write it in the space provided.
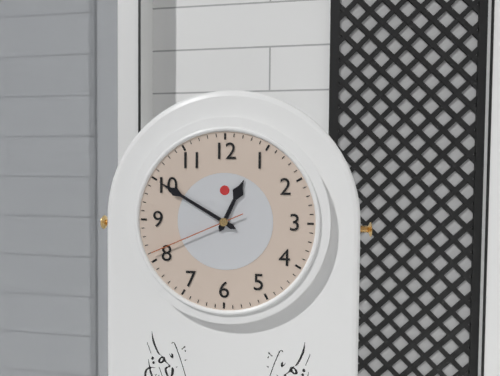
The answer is 12:50:41
